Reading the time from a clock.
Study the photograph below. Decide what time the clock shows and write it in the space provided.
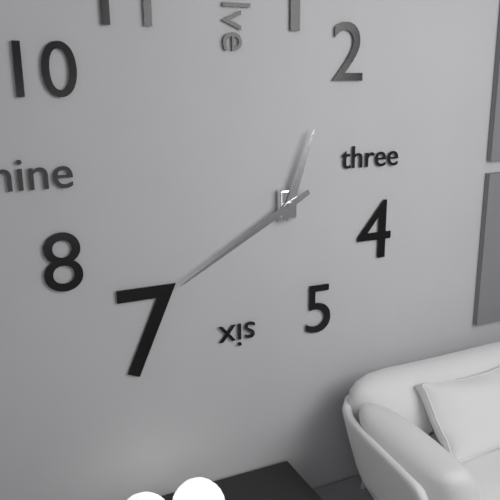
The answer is 12:40
